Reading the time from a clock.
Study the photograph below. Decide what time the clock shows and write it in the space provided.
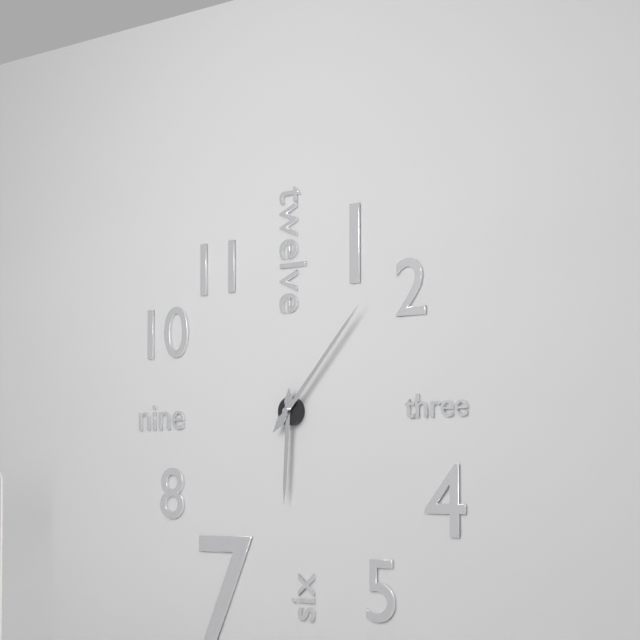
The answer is 6:07
